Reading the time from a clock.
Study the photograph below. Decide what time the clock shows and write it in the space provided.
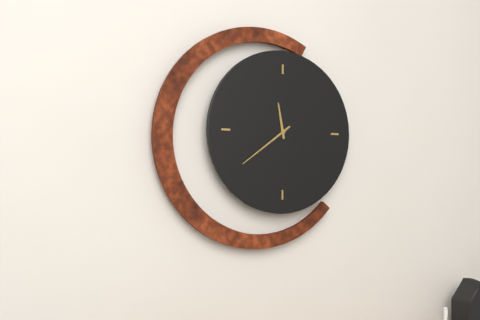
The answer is 11:39
